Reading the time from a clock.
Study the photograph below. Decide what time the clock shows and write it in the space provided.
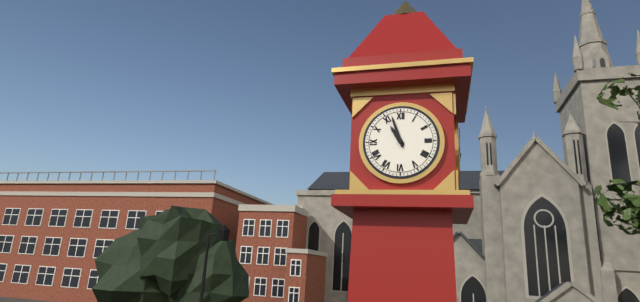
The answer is 10:57
